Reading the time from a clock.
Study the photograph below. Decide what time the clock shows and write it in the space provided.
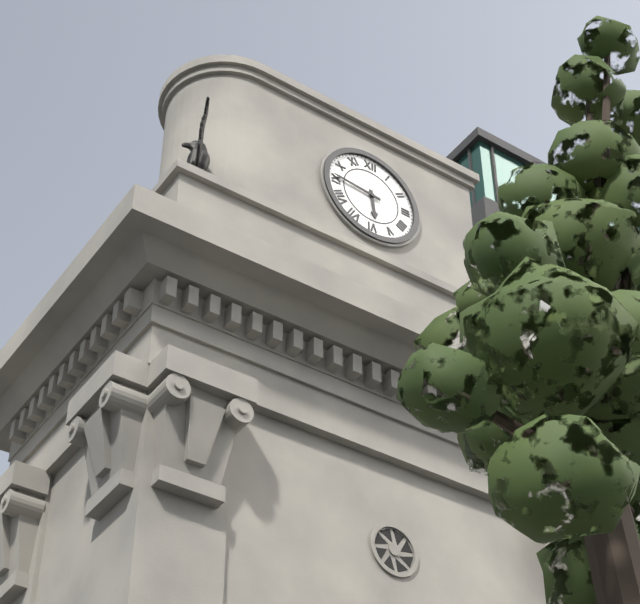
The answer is 5:46
